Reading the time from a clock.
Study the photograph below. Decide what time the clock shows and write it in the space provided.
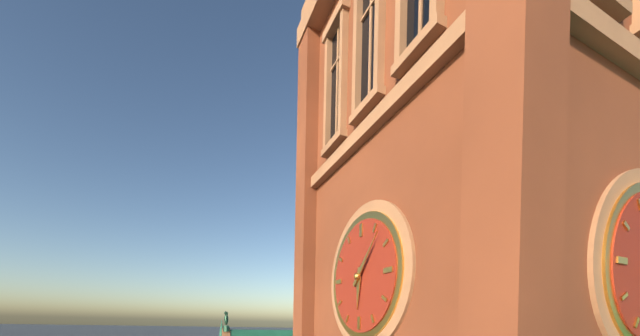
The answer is 6:07
